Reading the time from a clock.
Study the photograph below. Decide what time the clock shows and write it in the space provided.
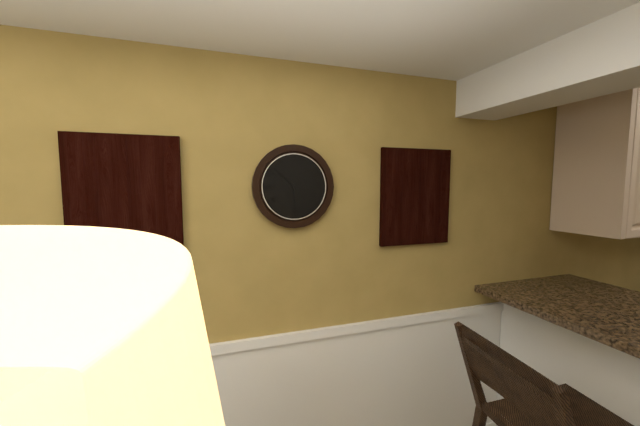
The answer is 5:52
